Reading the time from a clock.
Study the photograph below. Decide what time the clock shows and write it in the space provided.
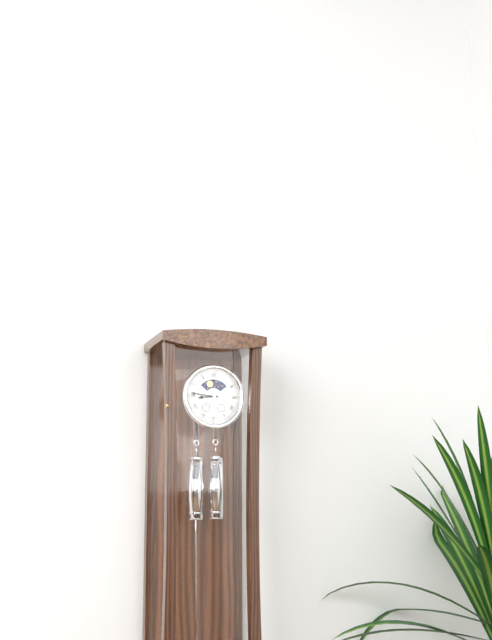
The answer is 8:46
